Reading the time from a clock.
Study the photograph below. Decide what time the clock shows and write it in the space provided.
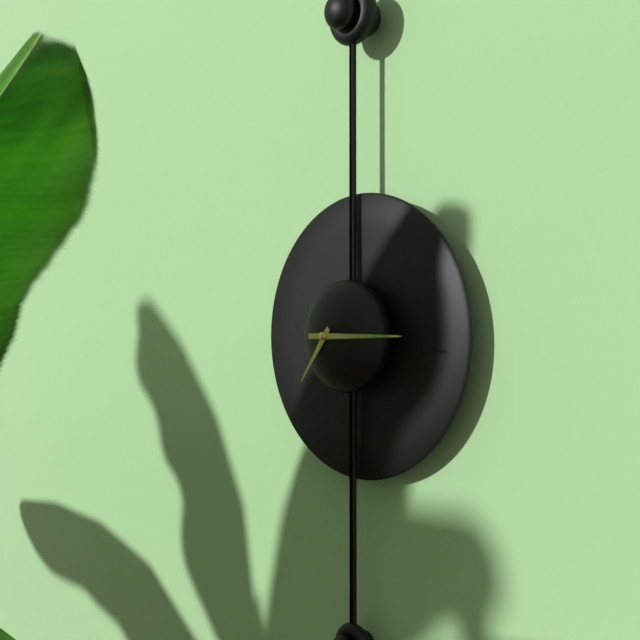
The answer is 7:15
